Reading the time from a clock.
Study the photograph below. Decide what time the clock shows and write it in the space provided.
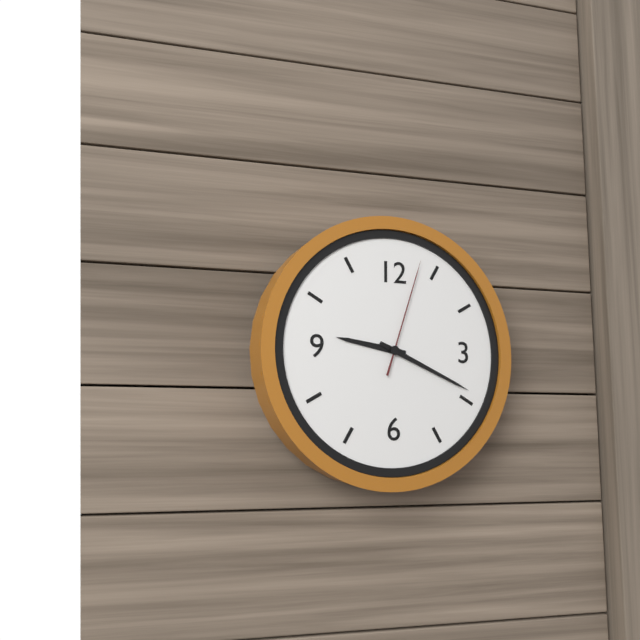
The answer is 9:19:03
